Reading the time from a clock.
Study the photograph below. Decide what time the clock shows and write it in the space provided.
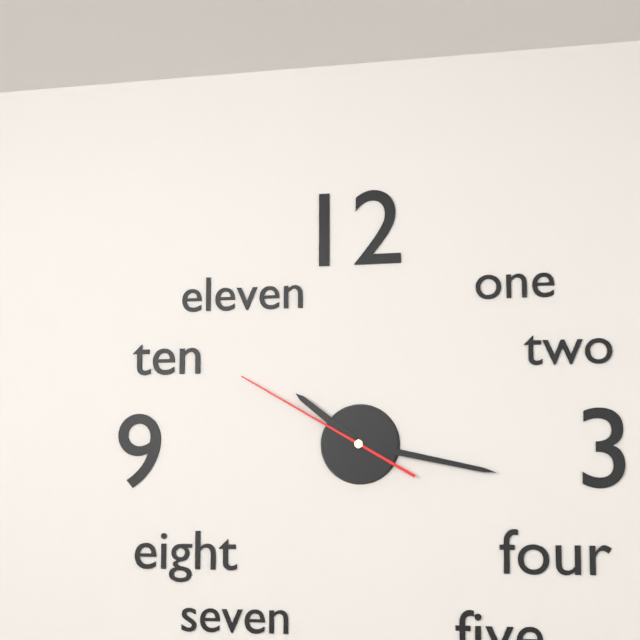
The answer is 10:17:50
